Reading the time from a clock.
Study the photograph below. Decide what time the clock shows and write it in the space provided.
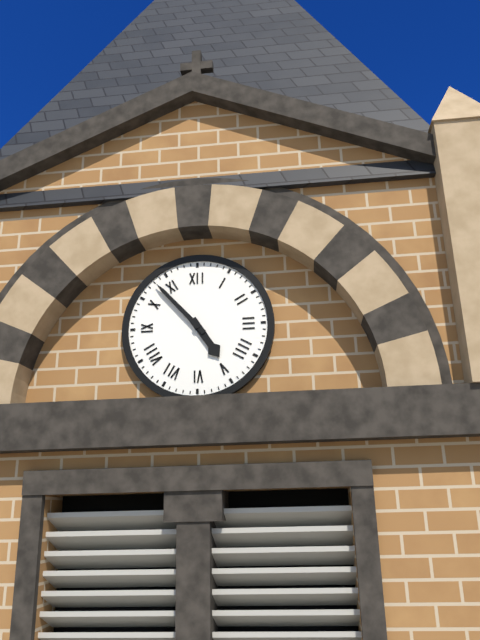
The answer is 4:53
